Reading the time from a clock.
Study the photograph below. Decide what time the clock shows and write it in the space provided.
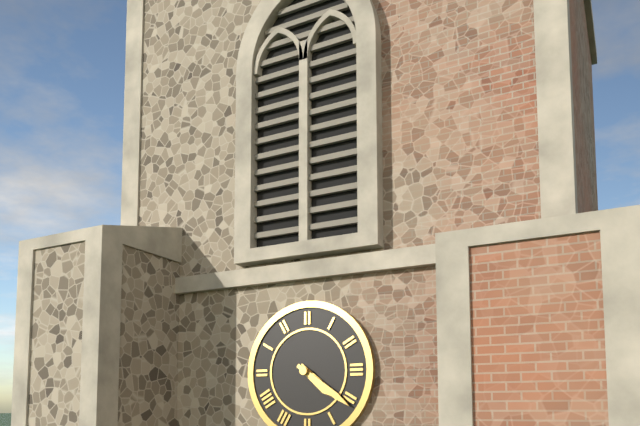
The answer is 4:21
